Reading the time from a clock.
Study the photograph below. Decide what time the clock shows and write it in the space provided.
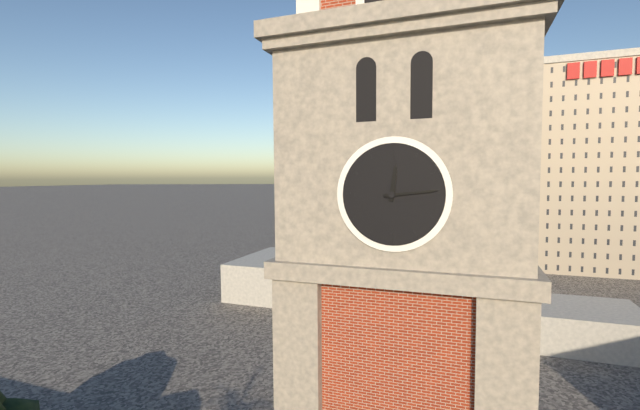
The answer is 12:14
